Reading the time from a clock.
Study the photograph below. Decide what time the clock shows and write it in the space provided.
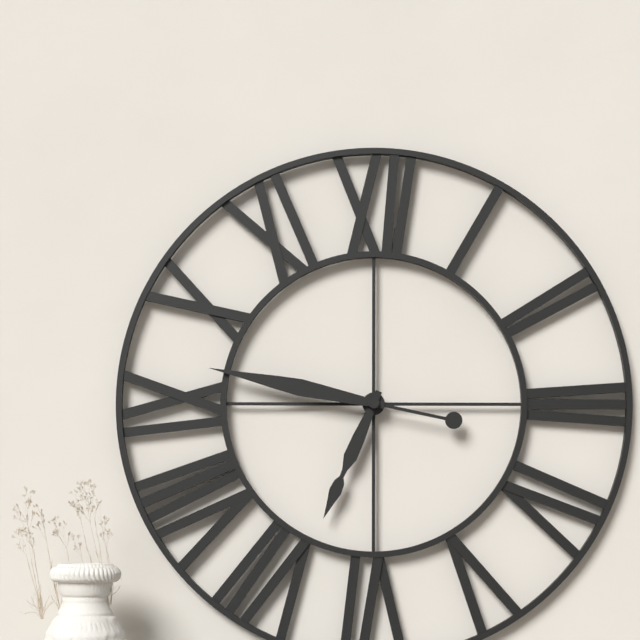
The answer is 6:47
